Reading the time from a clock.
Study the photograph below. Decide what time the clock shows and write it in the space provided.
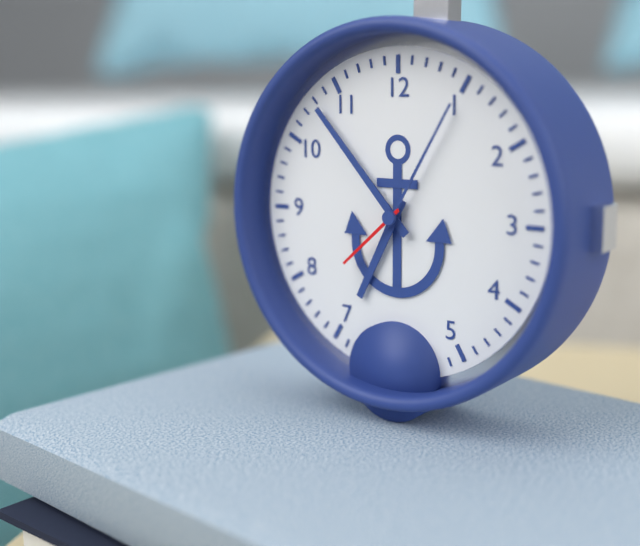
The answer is 6:53:38
